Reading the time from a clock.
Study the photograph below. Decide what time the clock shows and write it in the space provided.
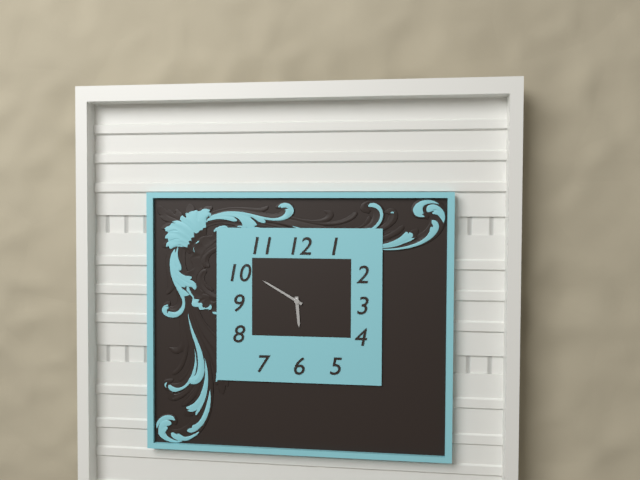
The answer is 5:50
